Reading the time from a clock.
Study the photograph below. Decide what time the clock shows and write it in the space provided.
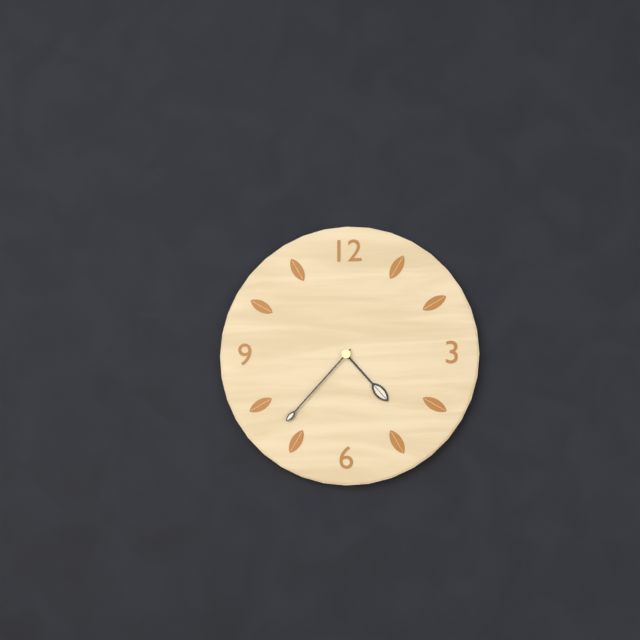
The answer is 4:37
